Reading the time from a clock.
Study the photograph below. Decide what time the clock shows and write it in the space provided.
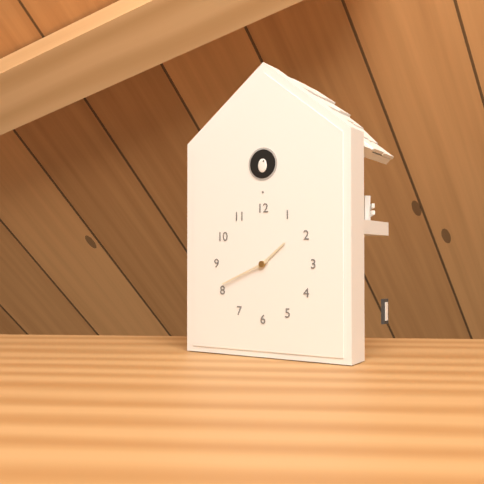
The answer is 1:41
